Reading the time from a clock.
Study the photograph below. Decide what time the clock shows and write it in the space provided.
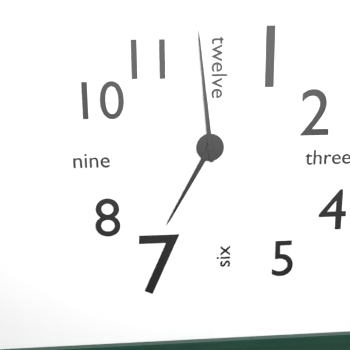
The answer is 6:59
